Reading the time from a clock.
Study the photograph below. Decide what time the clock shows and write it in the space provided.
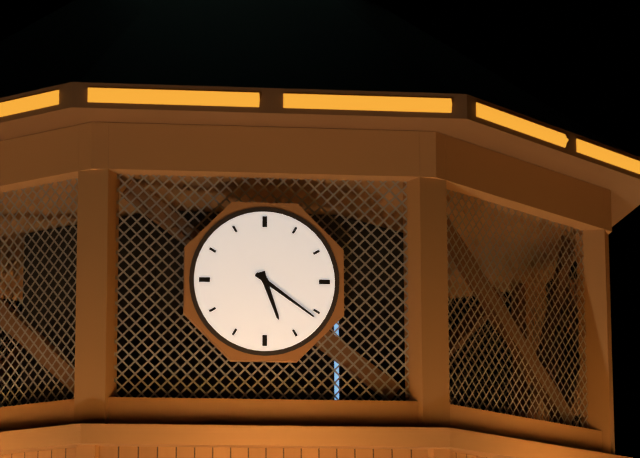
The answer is 5:21
